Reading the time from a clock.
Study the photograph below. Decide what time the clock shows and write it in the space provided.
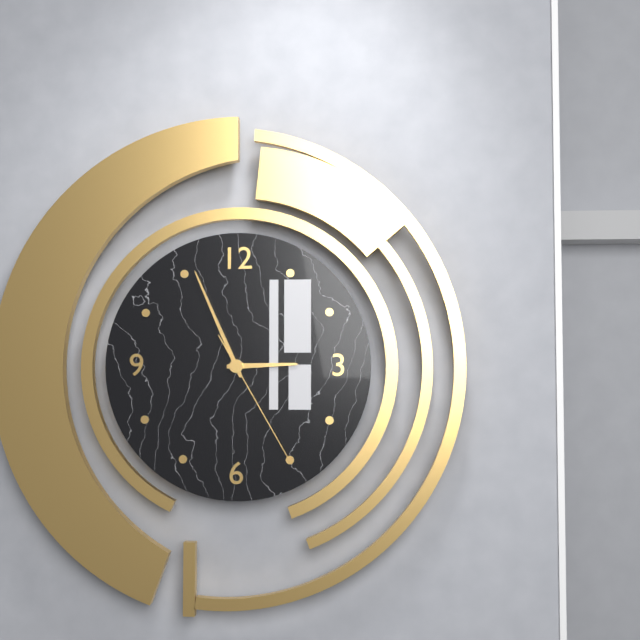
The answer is 2:56:25
